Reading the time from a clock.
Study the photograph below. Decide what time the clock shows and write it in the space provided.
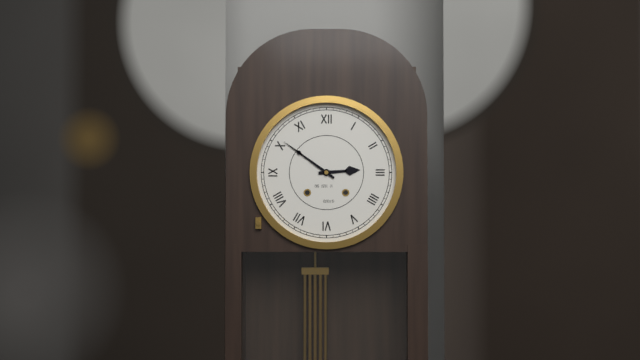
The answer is 2:51
